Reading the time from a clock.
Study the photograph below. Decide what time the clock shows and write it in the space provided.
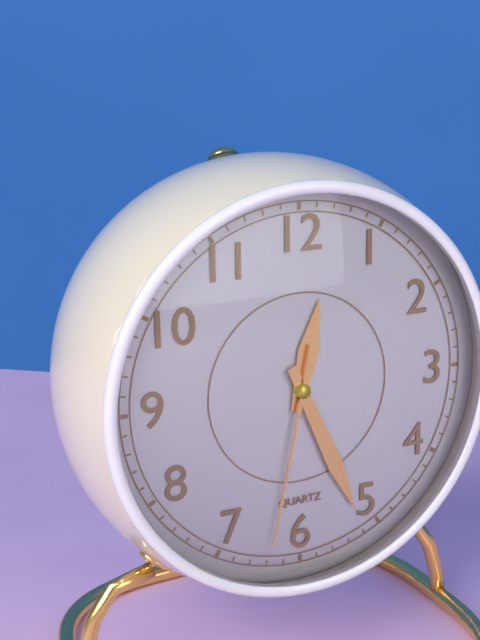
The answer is 12:26:32
